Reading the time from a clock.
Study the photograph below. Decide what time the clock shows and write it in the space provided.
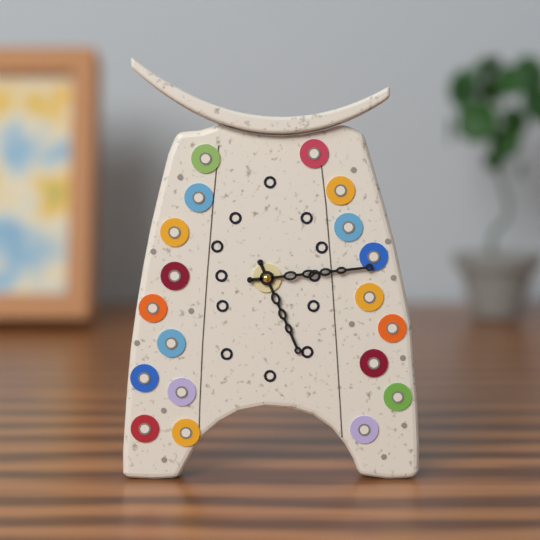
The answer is 5:14
